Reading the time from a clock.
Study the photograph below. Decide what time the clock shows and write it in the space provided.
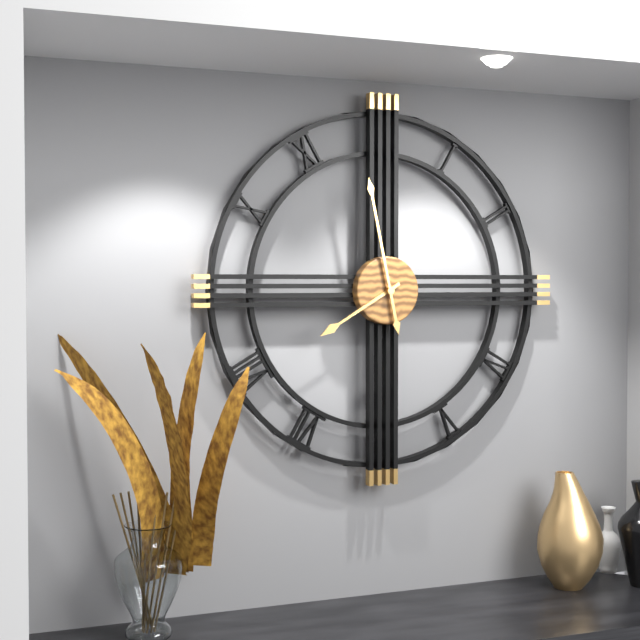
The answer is 7:58
